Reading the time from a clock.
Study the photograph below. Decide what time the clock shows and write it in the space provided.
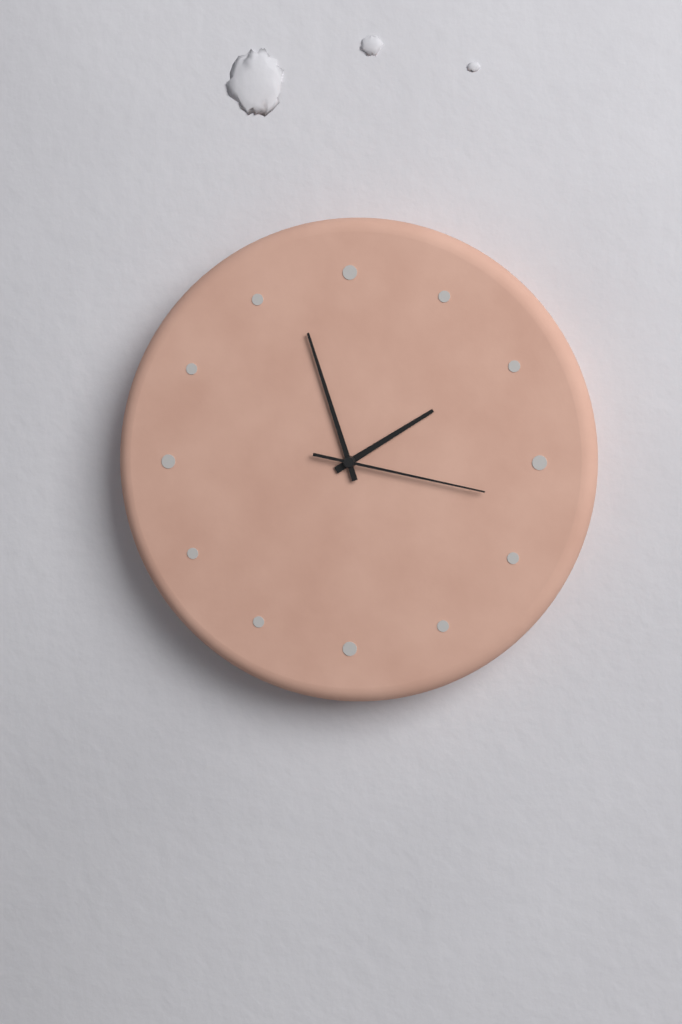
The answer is 1:57:17
